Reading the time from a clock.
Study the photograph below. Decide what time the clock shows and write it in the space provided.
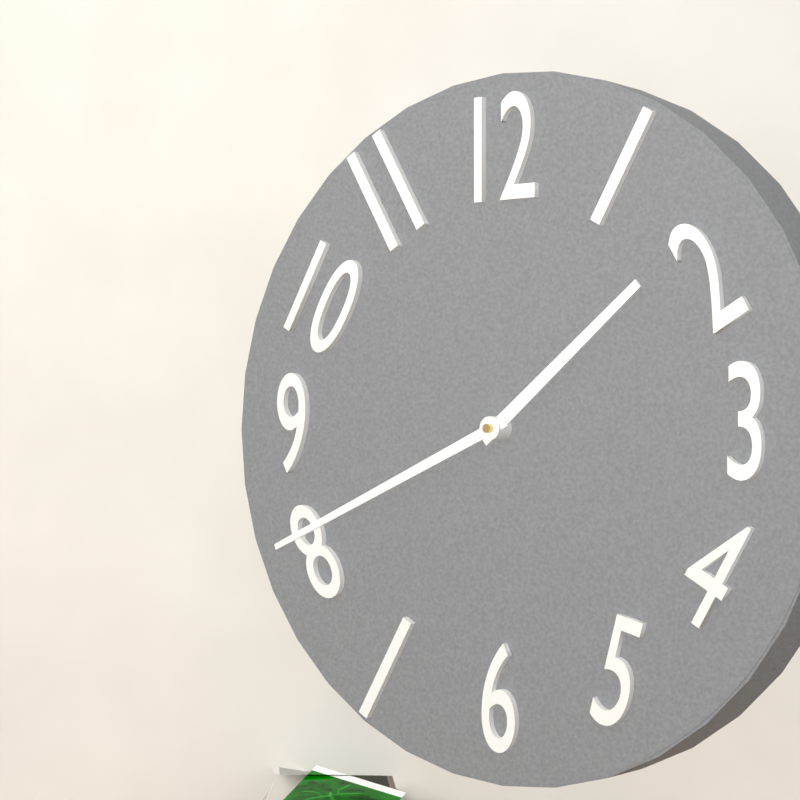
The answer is 1:41
